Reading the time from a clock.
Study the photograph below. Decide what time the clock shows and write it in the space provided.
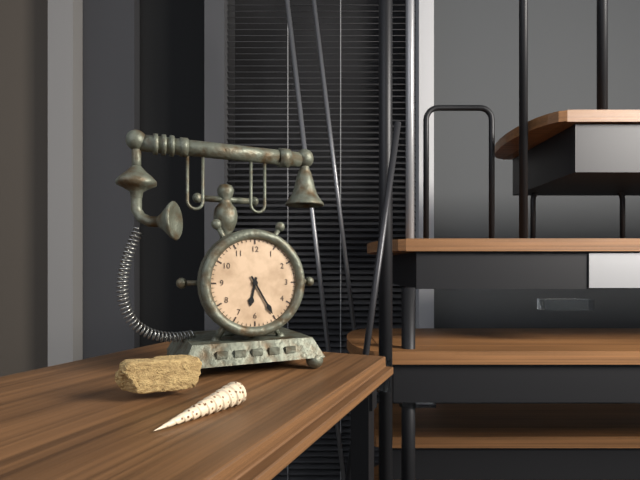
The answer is 6:25
